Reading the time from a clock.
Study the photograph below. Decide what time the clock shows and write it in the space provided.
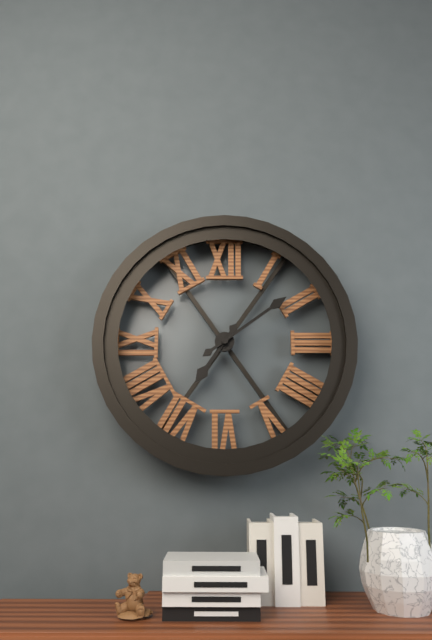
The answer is 7:09
